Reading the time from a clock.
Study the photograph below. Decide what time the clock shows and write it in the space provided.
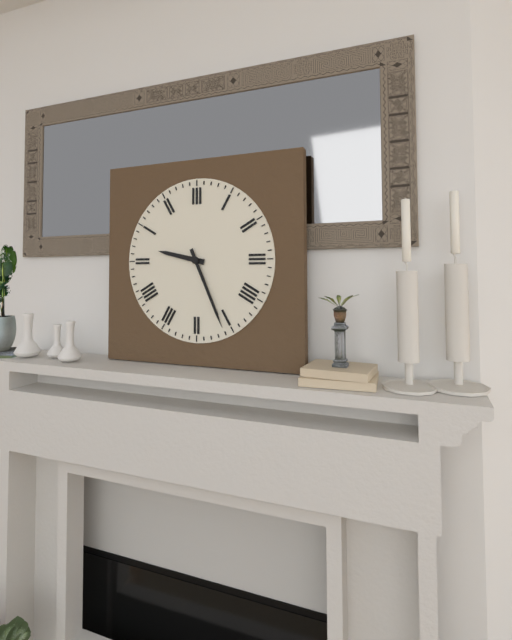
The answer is 9:26
